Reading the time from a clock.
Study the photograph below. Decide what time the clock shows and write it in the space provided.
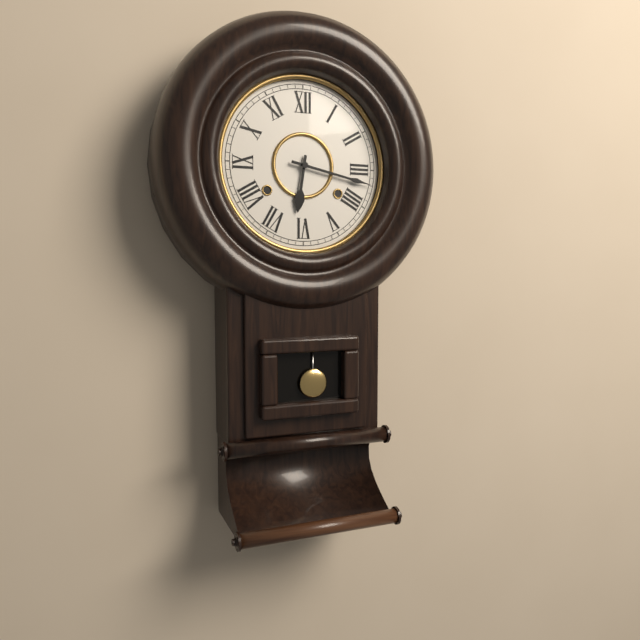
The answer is 6:17
